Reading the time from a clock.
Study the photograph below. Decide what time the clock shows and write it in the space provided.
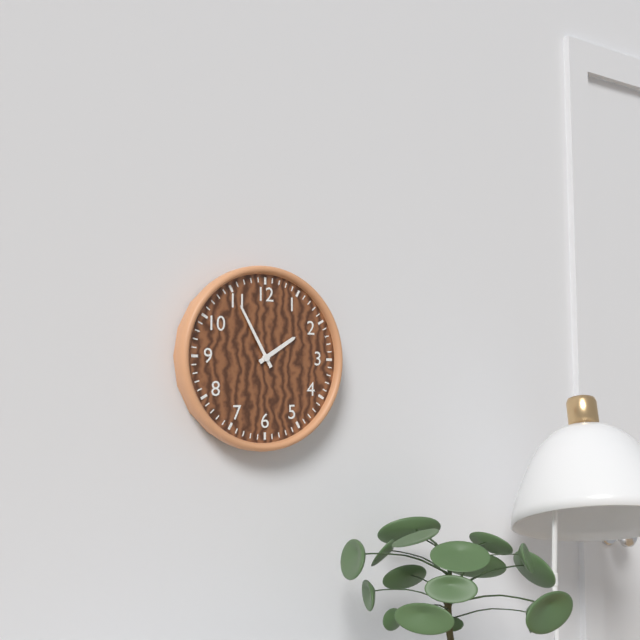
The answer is 1:55
